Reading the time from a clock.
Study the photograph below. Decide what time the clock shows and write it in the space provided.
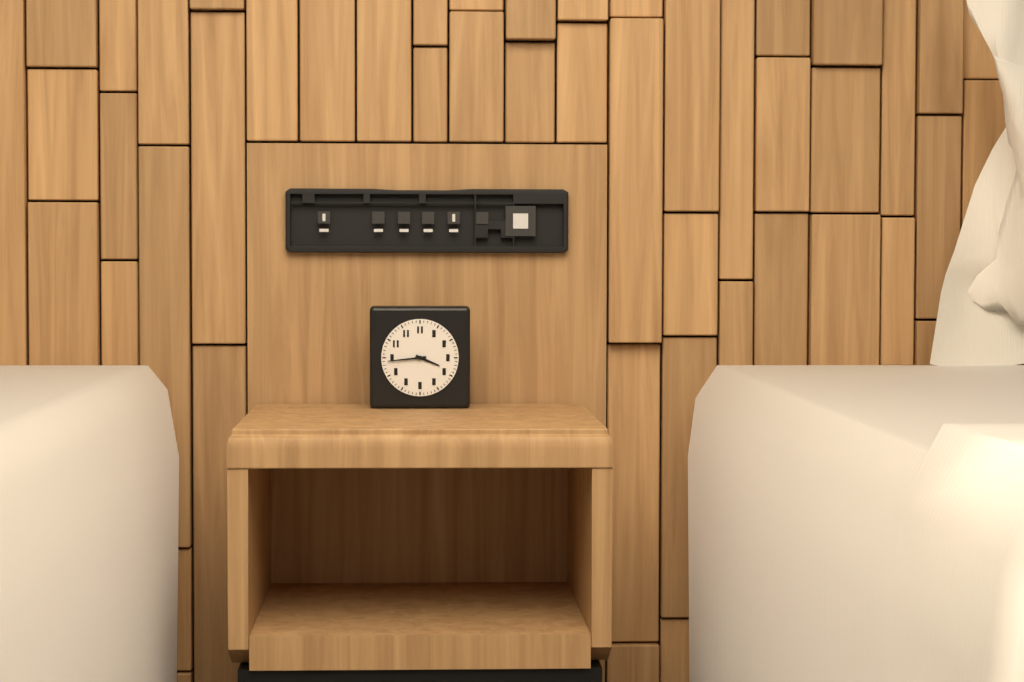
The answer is 3:44
